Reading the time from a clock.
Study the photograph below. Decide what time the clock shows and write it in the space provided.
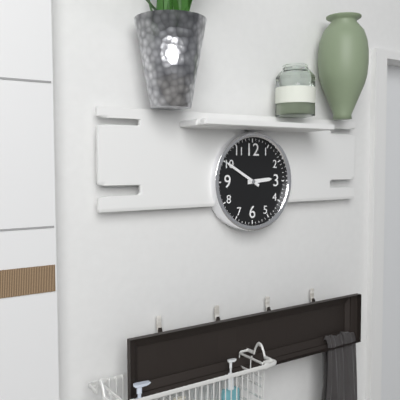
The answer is 2:50
